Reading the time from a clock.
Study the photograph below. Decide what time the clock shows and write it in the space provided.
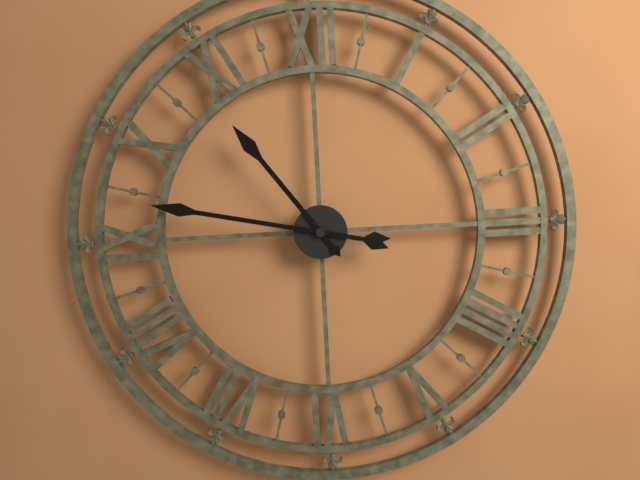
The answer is 10:47
